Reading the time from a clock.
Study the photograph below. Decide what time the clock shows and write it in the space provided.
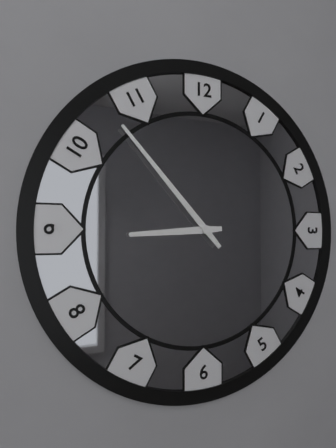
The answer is 8:53
